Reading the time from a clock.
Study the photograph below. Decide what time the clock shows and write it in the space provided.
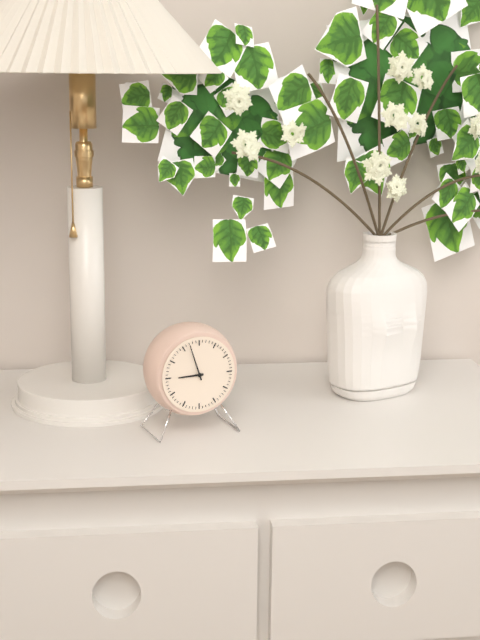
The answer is 8:57
